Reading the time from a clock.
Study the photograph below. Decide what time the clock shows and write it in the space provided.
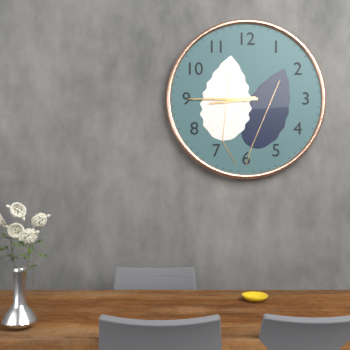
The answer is 8:45
